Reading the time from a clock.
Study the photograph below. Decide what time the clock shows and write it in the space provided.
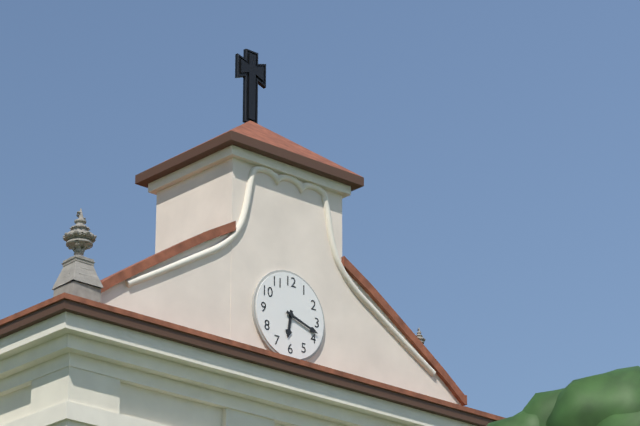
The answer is 6:18
